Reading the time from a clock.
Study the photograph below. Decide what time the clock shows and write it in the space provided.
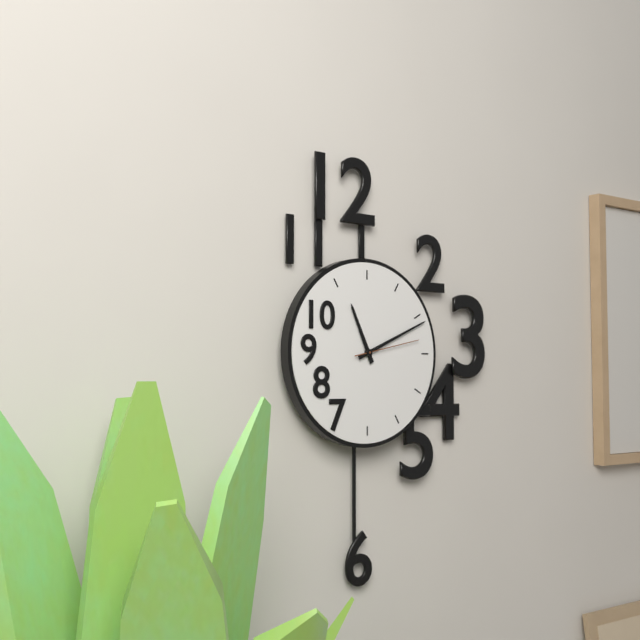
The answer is 11:11:13
